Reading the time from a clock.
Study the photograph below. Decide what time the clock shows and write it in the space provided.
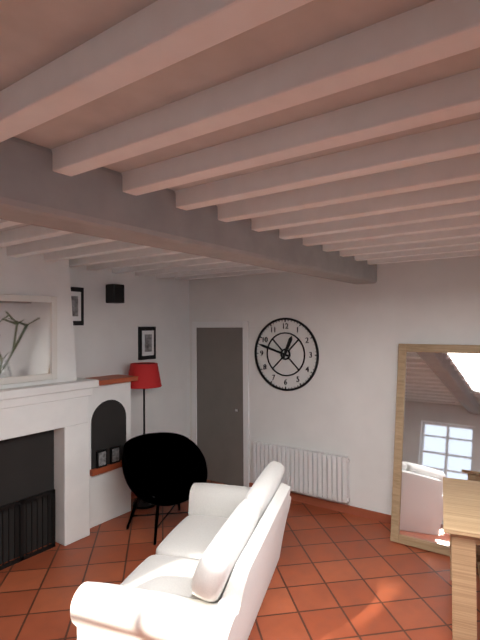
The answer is 12:48
